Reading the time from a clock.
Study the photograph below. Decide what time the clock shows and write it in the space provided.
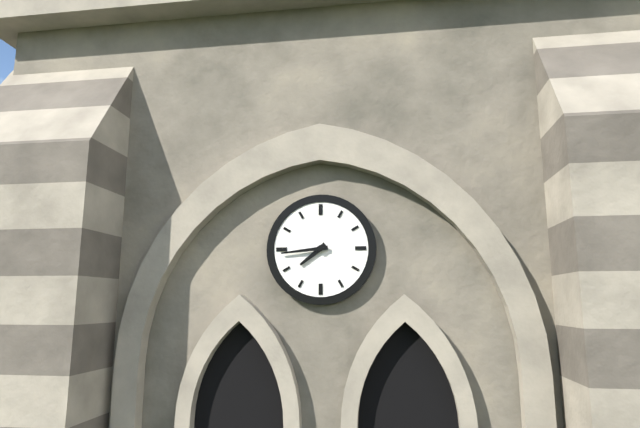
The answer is 7:44
